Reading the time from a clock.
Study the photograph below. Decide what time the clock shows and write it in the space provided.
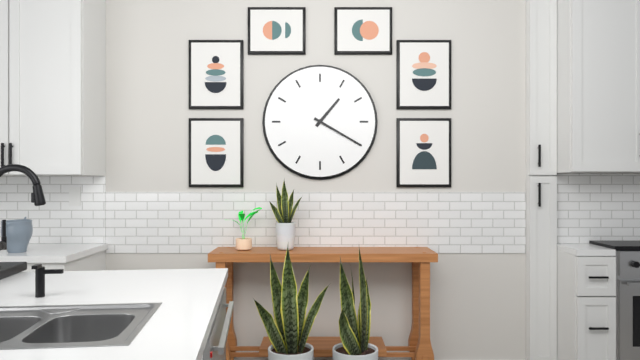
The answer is 1:20
